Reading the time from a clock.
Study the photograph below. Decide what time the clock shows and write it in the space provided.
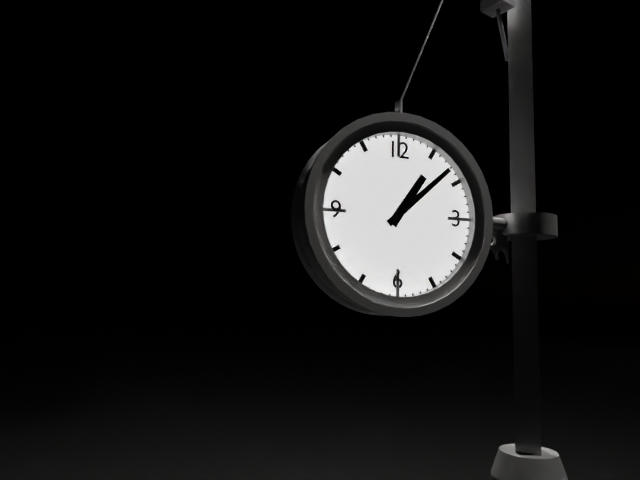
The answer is 1:08
